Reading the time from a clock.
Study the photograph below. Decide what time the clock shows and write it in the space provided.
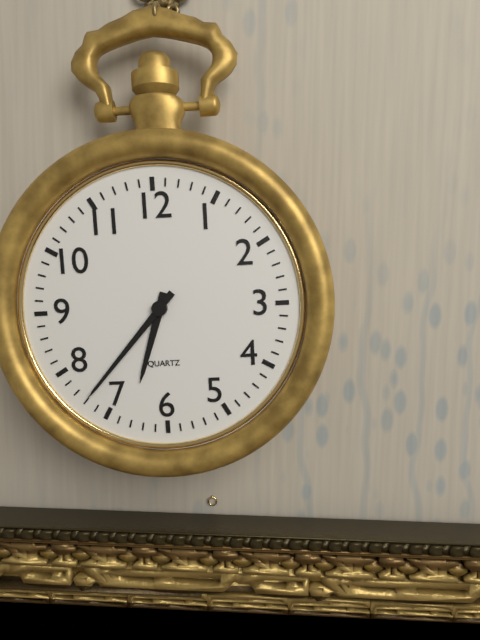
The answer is 6:37
